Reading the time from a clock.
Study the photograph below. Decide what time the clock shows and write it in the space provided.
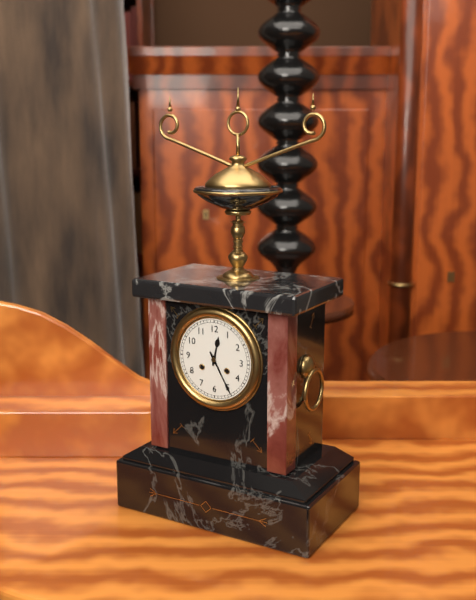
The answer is 12:25
